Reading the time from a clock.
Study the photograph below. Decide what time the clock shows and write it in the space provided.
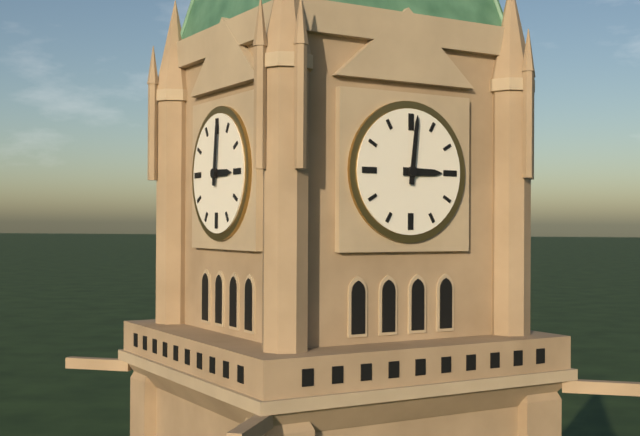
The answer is 3:01
